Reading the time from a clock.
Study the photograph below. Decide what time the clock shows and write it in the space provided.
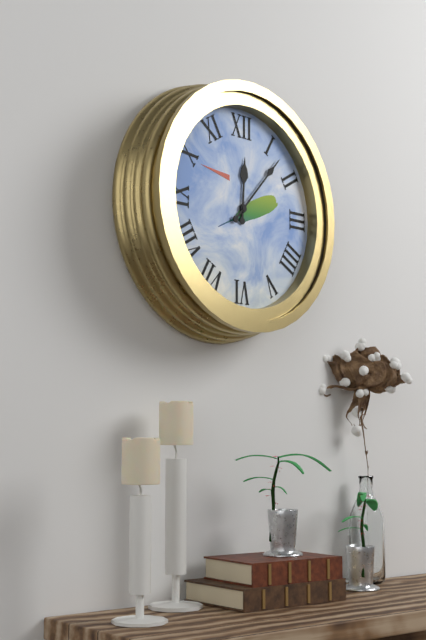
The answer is 12:07
